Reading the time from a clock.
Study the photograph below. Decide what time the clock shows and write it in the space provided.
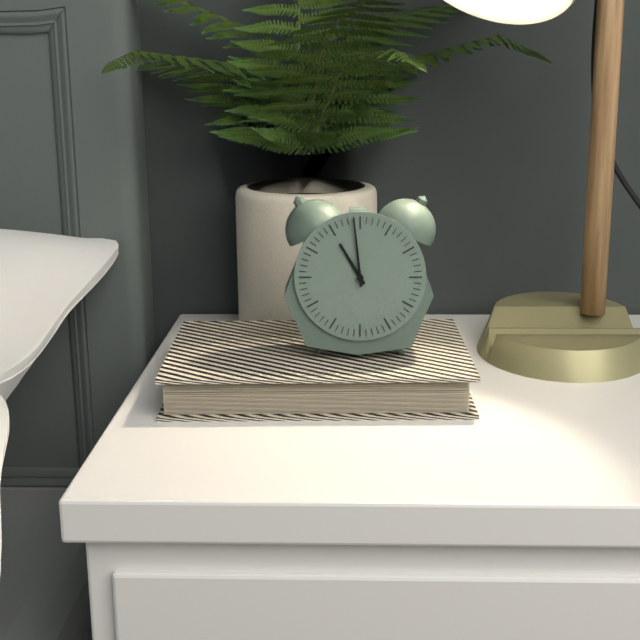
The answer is 10:59
